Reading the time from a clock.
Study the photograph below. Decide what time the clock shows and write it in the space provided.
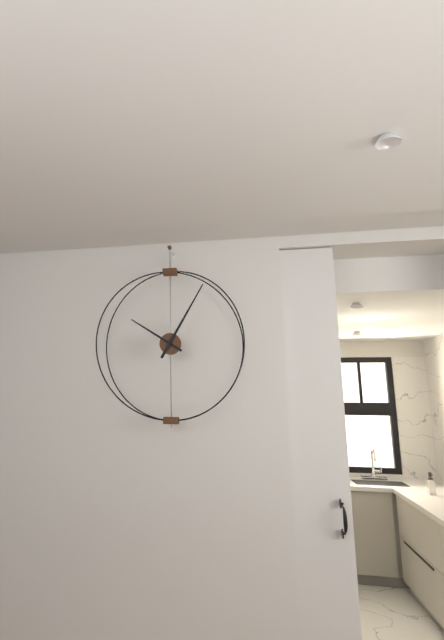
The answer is 10:05
